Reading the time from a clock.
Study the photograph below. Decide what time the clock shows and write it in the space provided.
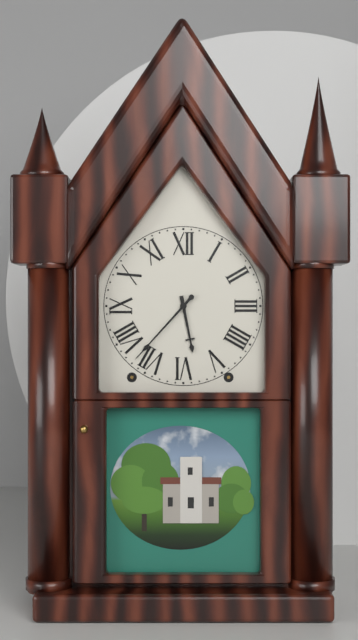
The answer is 5:37
